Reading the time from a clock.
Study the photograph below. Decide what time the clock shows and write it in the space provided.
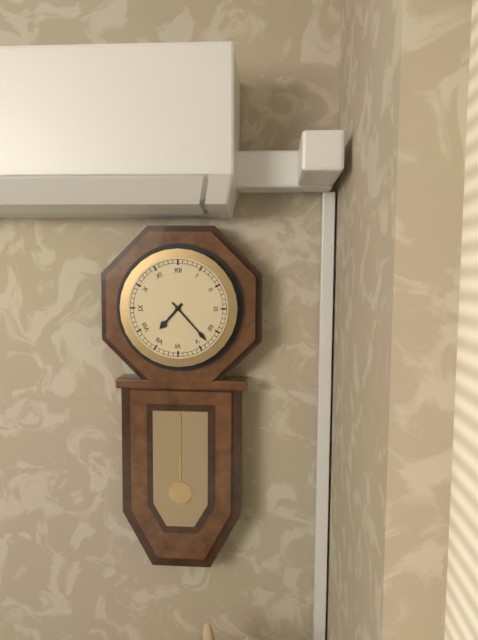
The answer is 7:23
